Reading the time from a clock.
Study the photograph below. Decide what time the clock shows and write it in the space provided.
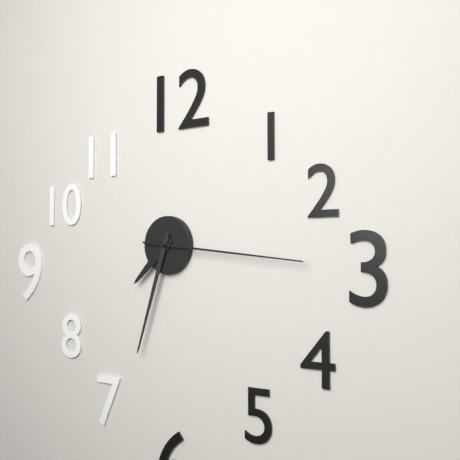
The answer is 7:33:16
